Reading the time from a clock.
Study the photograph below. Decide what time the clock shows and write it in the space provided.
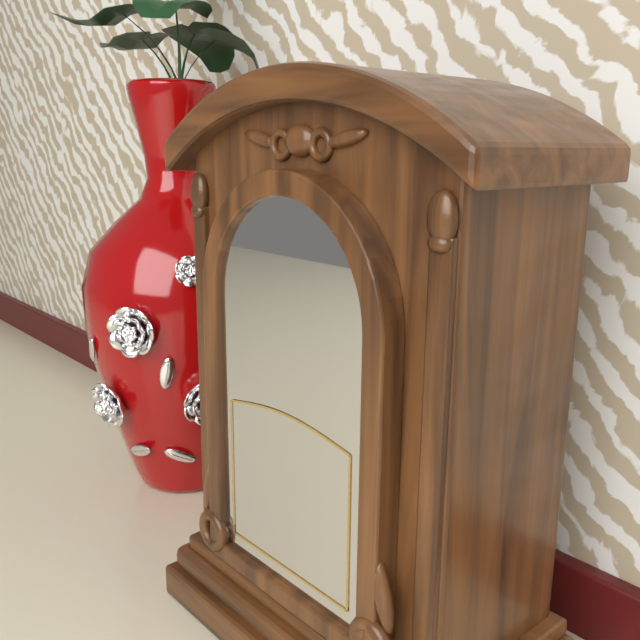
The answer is 5:44
